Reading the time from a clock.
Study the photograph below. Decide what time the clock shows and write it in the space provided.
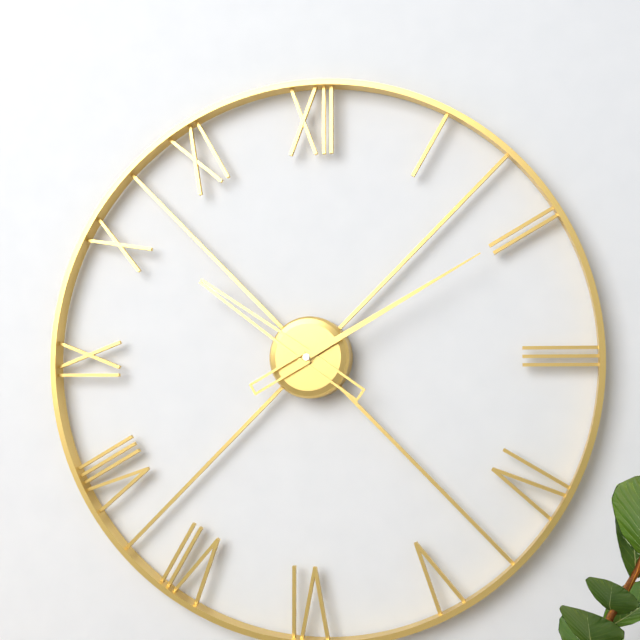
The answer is 10:10
